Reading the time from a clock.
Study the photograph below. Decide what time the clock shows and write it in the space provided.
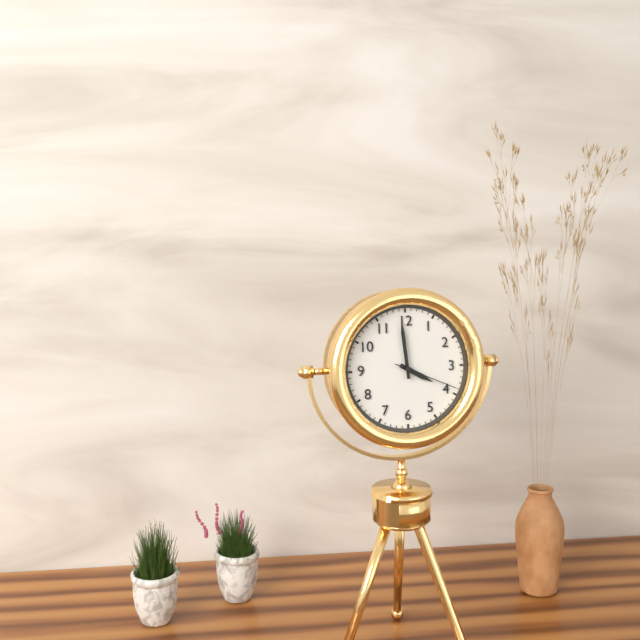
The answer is 3:59:19
